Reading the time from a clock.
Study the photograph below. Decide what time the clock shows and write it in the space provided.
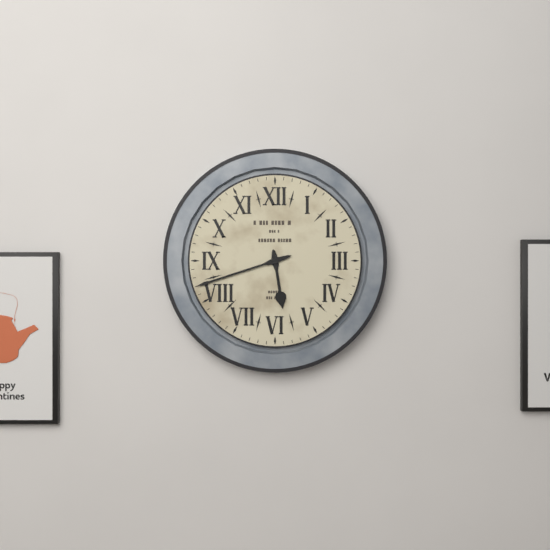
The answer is 5:42
